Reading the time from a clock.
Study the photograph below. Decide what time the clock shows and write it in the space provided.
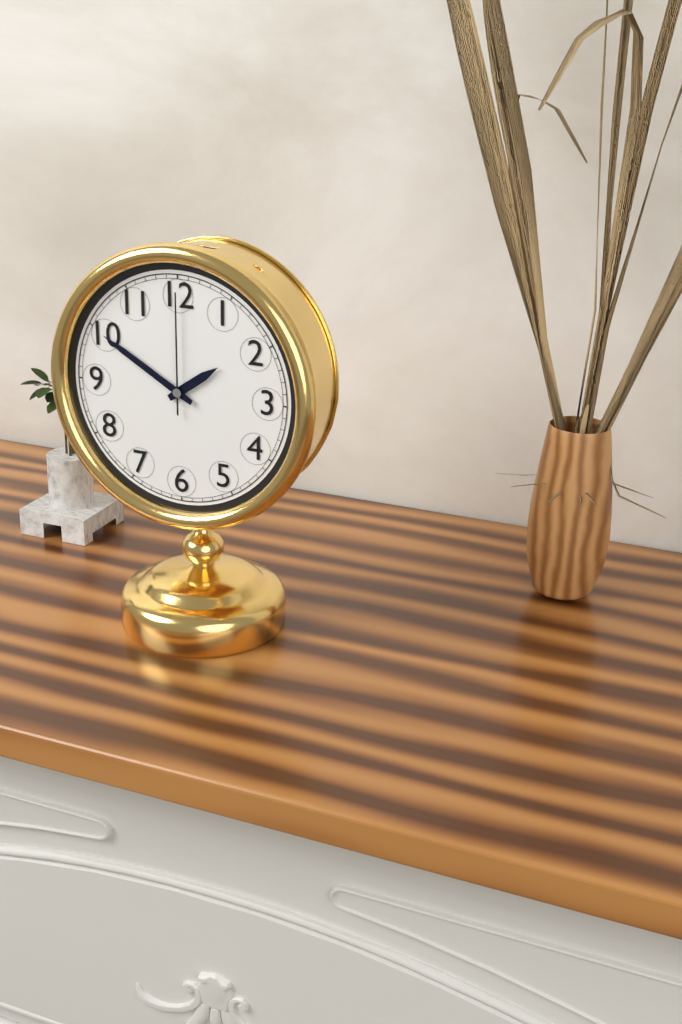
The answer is 1:50:00
